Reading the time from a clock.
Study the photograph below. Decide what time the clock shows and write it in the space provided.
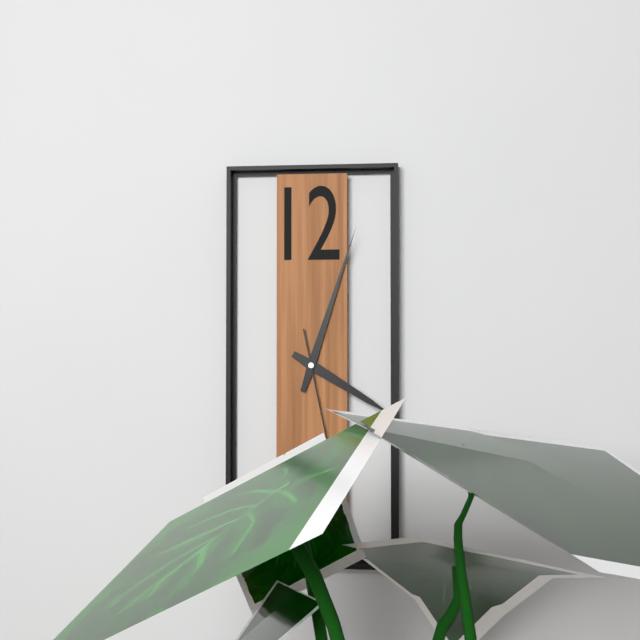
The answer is 4:03
